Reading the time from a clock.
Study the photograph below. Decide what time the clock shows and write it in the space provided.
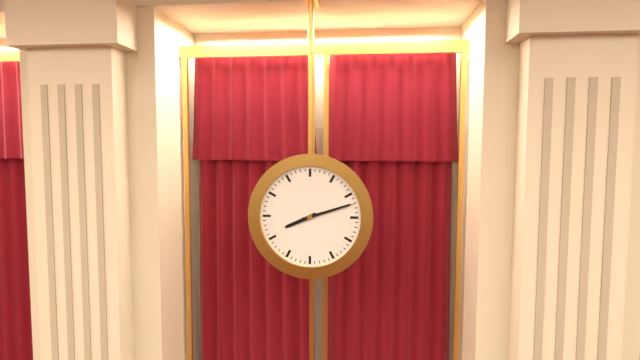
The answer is 8:12
